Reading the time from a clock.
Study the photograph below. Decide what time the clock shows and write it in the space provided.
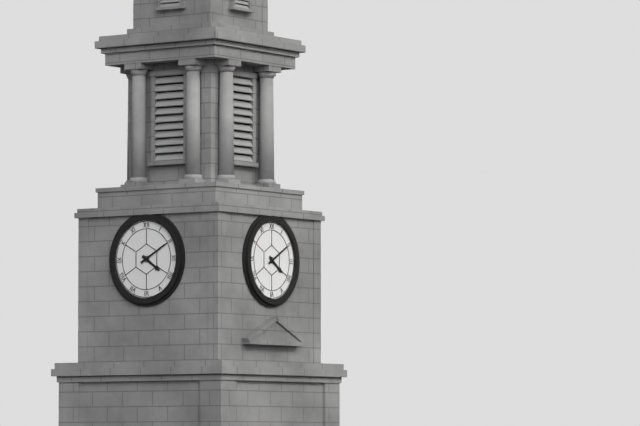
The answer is 4:10
